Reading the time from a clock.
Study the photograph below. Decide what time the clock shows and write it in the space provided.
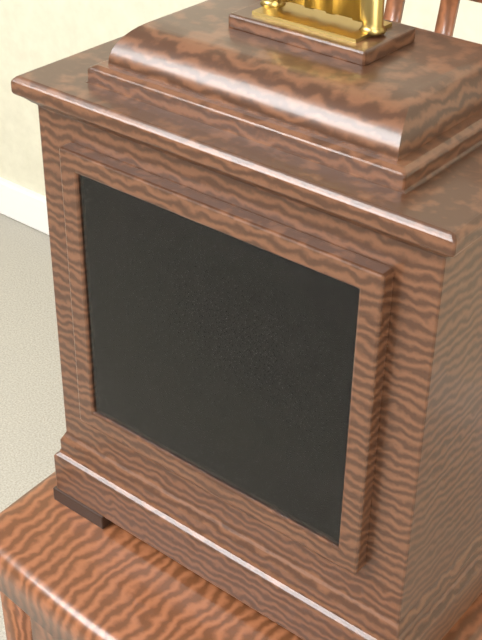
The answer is 2:16
